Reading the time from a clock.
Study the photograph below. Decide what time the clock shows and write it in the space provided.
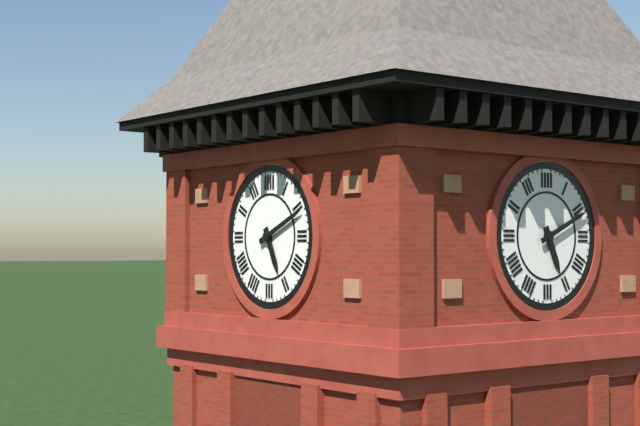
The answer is 5:11
